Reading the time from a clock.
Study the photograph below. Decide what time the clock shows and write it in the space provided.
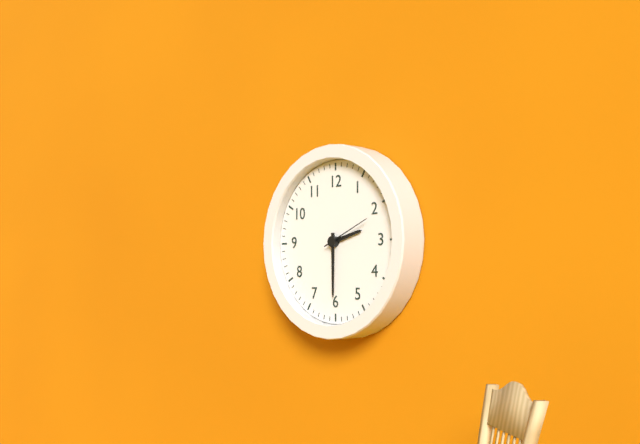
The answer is 2:30
